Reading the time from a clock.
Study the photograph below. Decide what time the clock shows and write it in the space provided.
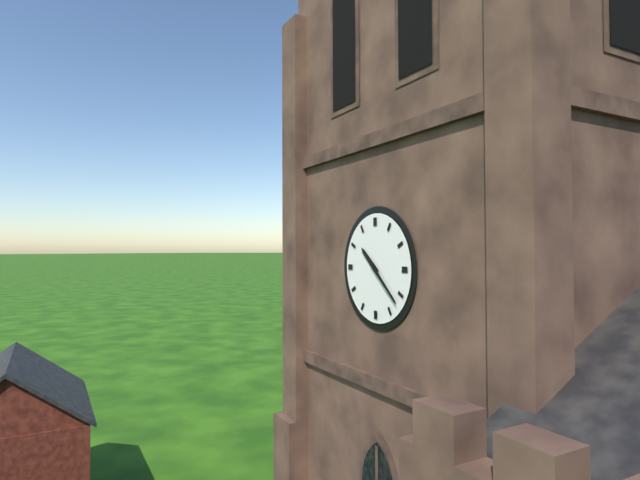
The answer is 10:22
